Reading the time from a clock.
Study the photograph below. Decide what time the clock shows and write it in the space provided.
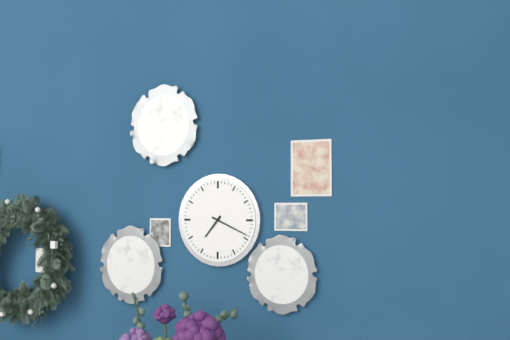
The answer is 7:19
